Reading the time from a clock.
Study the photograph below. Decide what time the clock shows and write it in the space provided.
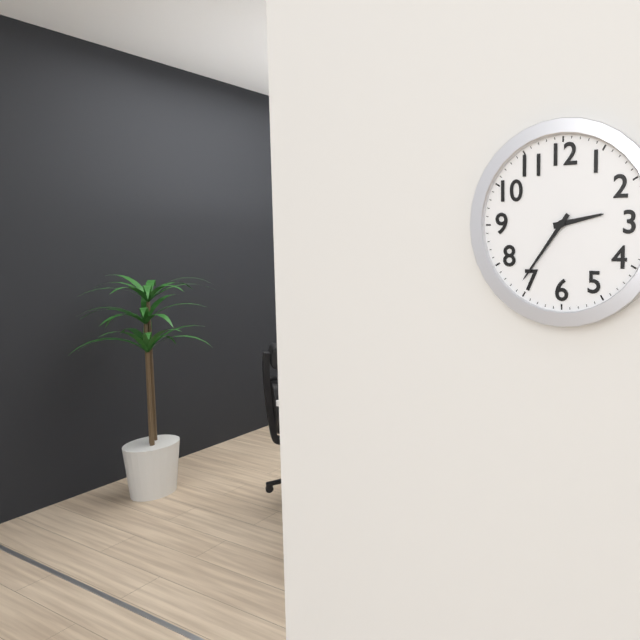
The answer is 2:36
